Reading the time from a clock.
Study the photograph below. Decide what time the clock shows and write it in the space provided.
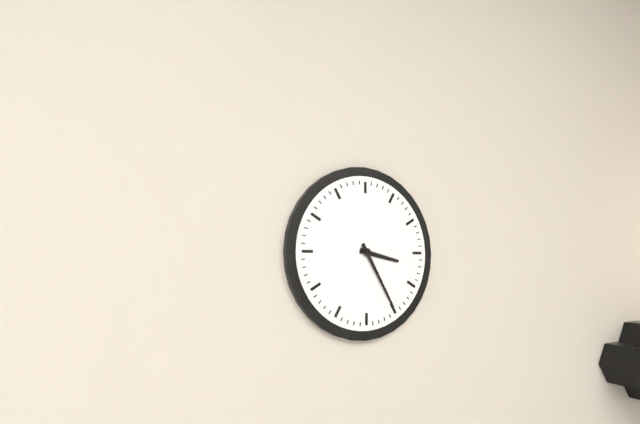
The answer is 3:25
